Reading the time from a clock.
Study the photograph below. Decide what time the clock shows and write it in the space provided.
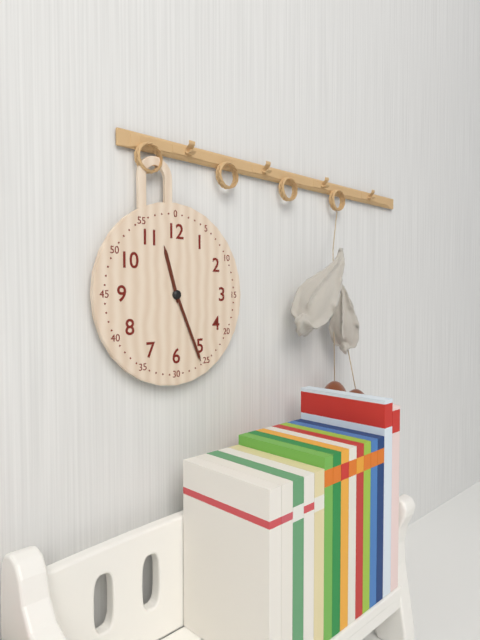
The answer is 11:26
